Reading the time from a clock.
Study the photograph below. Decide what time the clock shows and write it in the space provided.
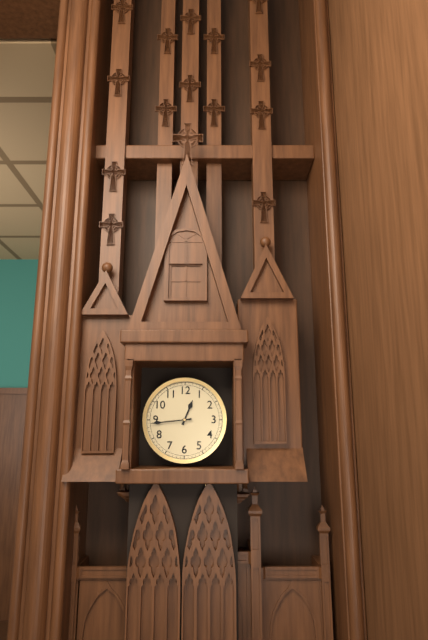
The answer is 12:44
